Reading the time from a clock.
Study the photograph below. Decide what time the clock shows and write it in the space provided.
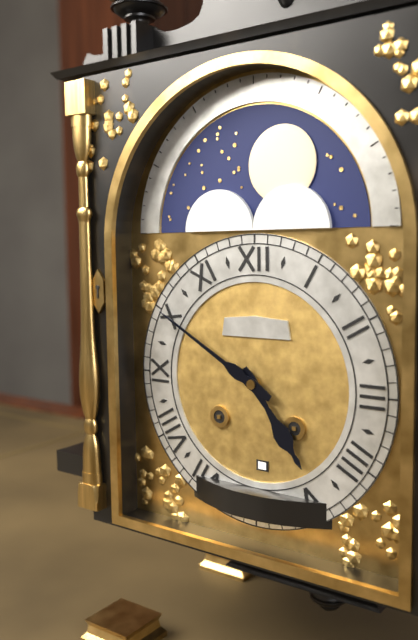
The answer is 4:50
